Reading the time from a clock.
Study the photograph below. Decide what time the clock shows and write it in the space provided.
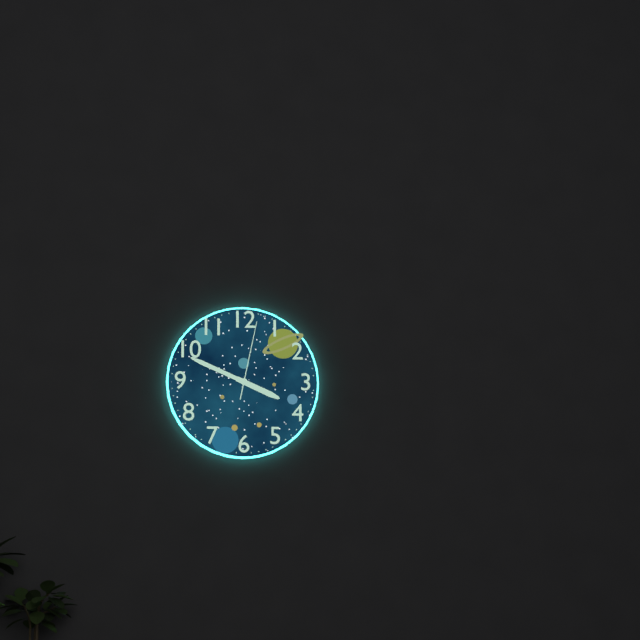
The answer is 3:49:02
